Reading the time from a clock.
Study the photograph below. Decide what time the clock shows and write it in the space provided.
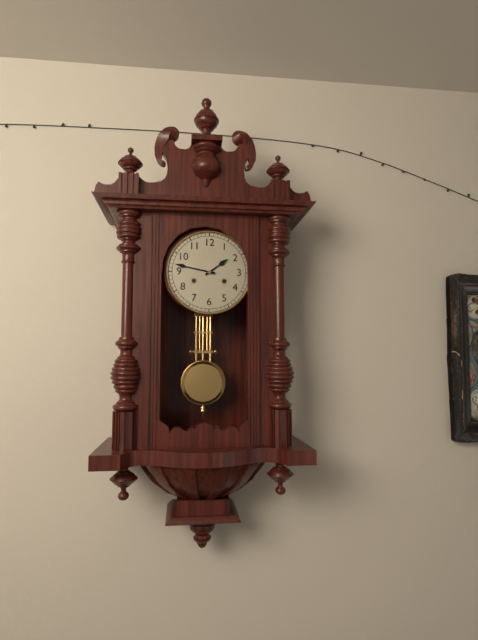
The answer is 1:47
